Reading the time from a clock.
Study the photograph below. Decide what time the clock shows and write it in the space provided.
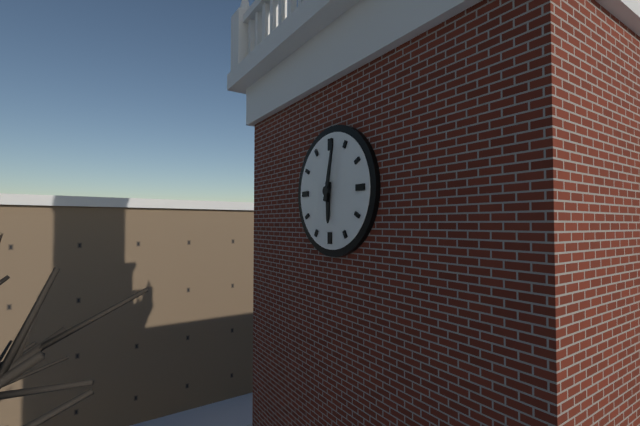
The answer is 6:02
